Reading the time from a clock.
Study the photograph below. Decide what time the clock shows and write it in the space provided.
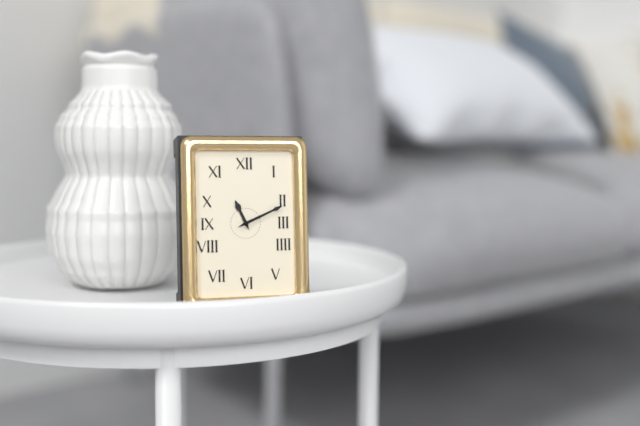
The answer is 11:11
